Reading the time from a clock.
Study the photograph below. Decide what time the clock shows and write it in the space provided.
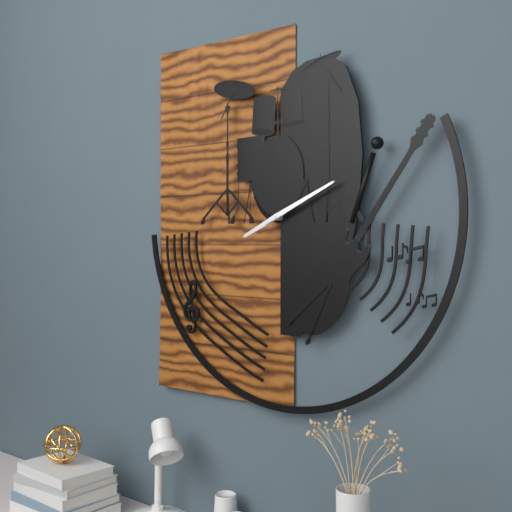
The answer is 8:11
